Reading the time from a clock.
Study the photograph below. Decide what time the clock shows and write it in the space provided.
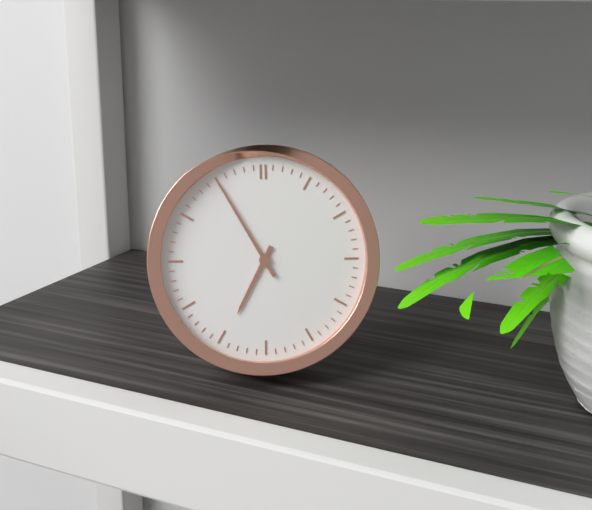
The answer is 6:55
